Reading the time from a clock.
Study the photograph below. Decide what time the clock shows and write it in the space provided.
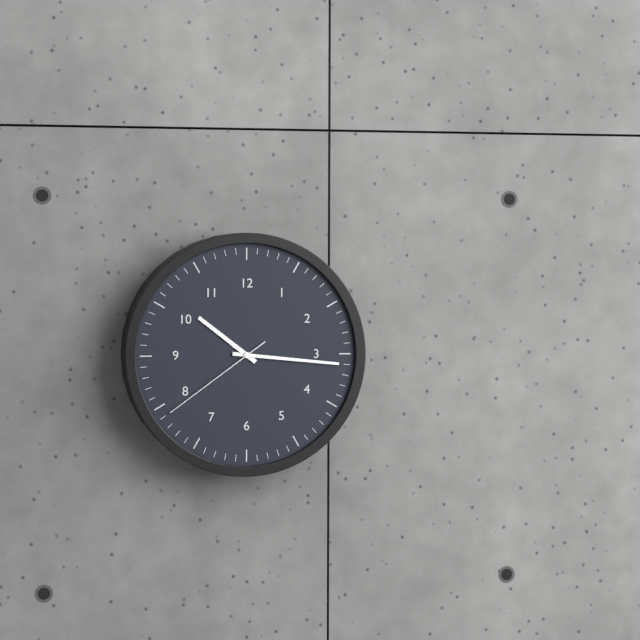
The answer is 10:16:39
